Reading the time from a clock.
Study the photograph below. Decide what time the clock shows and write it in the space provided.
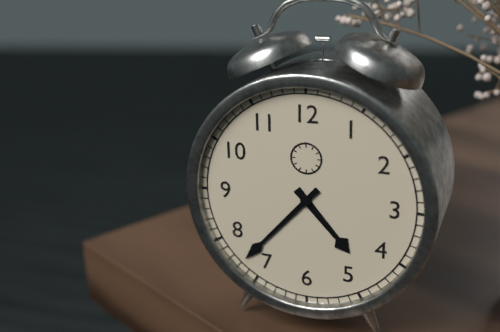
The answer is 4:37
